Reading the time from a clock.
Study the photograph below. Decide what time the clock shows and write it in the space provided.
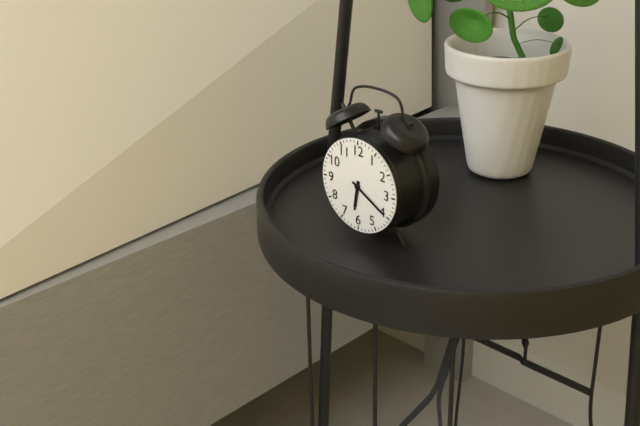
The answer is 6:20
